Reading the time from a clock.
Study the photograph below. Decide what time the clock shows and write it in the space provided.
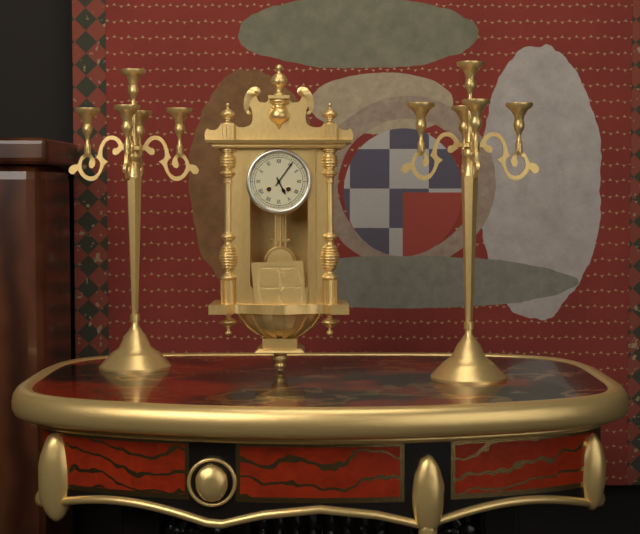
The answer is 5:06
